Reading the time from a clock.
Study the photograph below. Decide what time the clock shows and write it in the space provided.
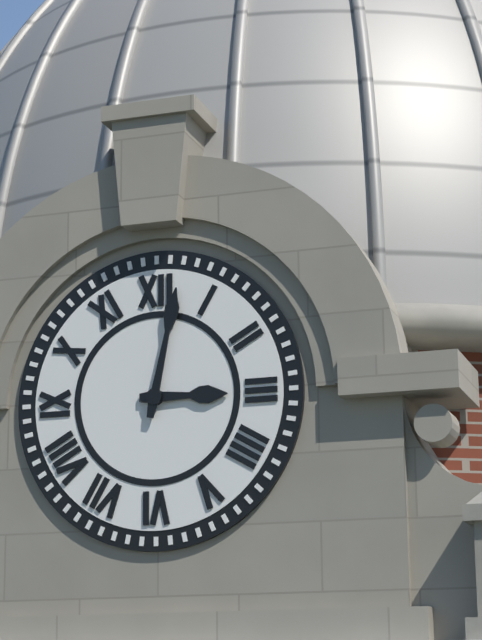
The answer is 3:02
